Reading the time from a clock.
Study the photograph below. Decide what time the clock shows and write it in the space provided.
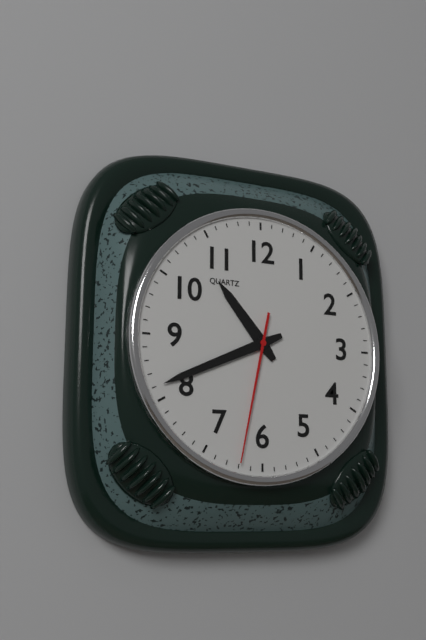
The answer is 10:41:32
